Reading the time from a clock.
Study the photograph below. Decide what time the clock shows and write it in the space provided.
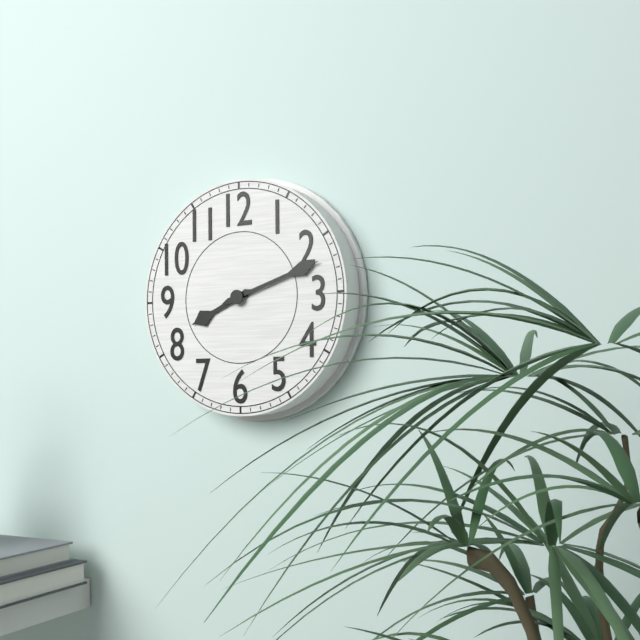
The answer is 8:12
